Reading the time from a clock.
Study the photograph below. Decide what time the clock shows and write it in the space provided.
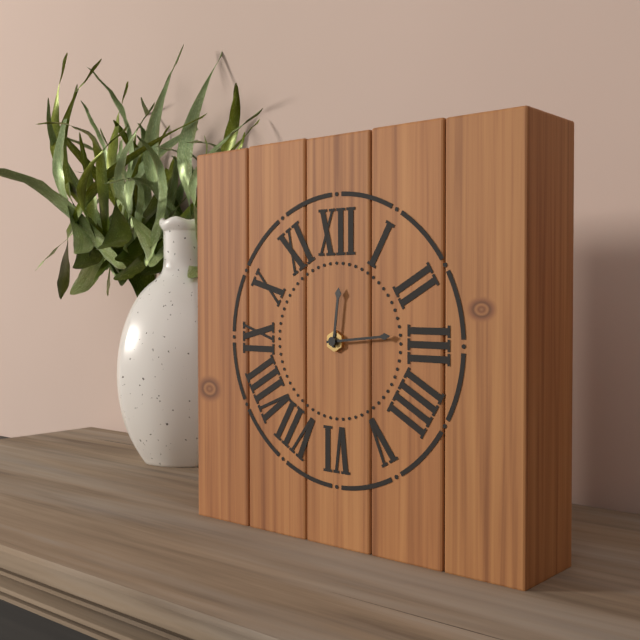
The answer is 12:14
